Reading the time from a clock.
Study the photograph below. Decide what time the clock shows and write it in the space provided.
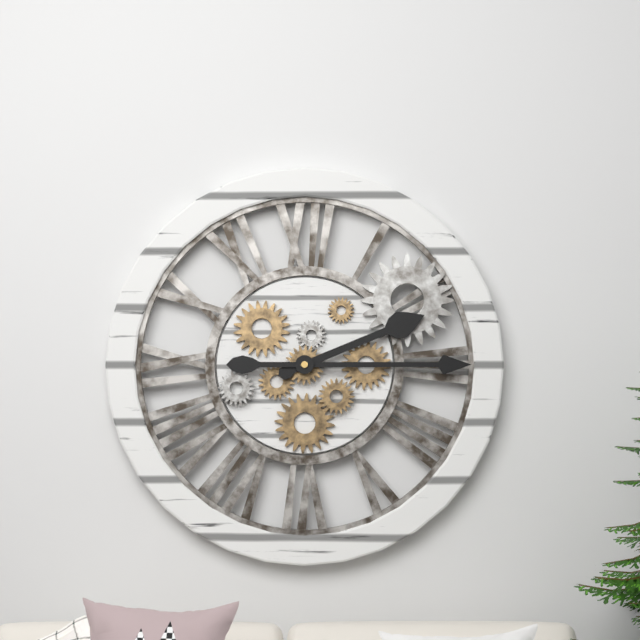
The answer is 2:15
